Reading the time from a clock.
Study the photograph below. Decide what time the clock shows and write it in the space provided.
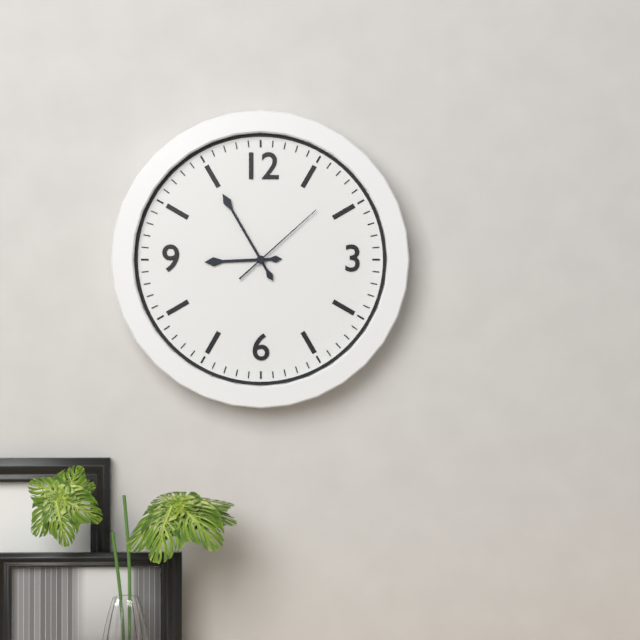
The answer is 8:55:08
